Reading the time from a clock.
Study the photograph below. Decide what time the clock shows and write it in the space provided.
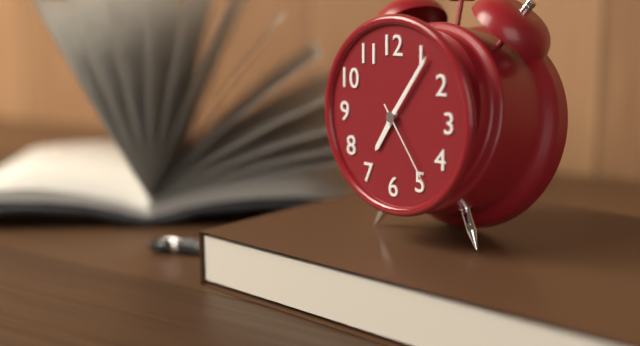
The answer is 7:06:24
